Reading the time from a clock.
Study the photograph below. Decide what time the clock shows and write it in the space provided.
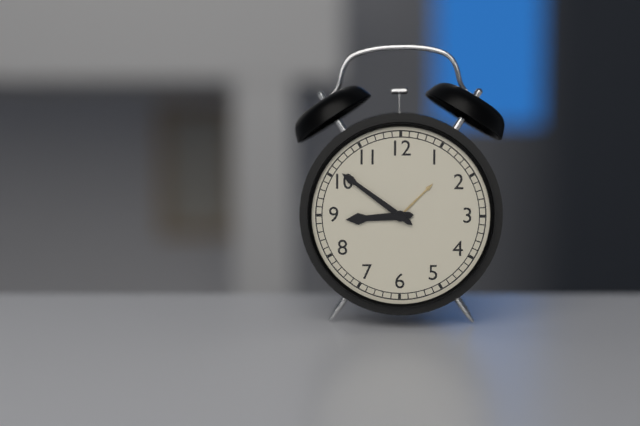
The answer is 8:51
